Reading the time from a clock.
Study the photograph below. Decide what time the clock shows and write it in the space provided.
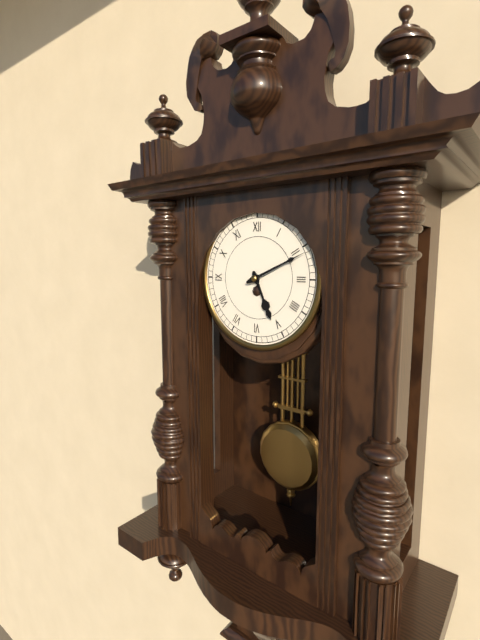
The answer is 5:11
